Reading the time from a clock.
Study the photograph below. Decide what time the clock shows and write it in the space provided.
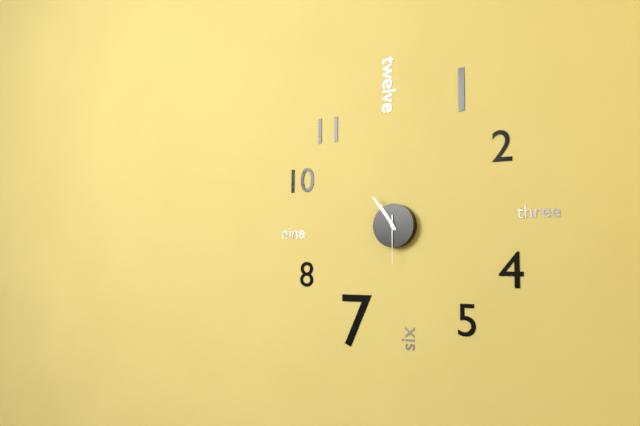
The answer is 10:54
